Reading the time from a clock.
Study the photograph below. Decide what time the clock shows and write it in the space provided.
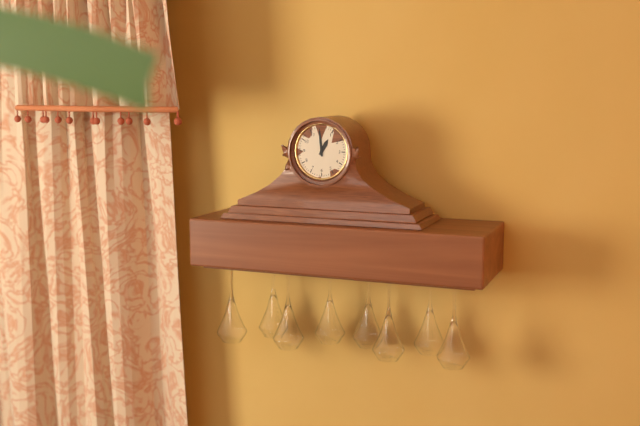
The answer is 12:59
